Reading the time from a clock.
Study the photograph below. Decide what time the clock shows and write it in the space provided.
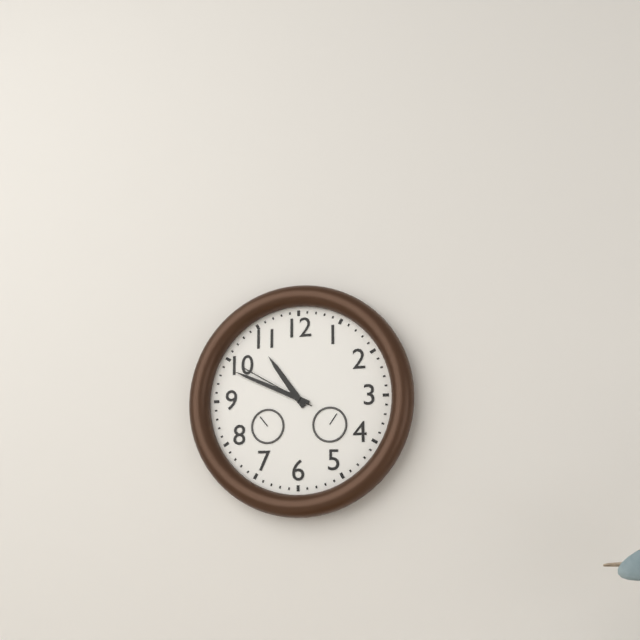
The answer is 10:49:50
